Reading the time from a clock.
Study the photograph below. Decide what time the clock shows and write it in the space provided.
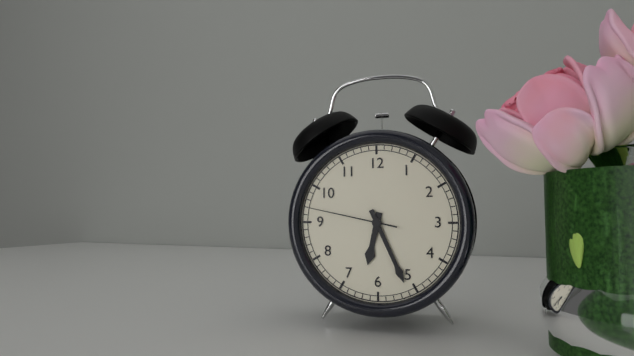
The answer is 6:26:47
